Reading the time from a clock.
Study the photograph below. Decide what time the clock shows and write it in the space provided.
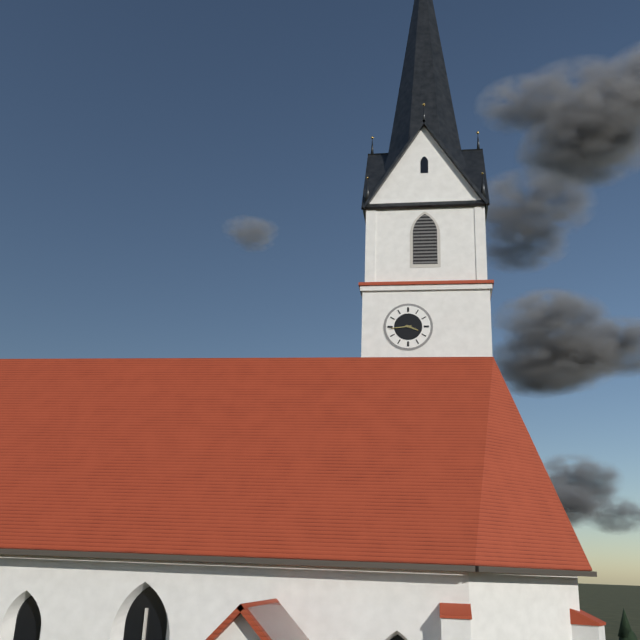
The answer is 3:44
